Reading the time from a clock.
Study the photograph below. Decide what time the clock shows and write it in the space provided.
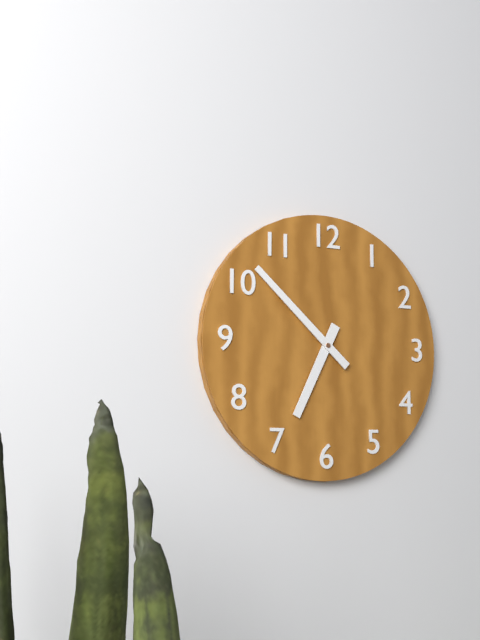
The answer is 6:52
